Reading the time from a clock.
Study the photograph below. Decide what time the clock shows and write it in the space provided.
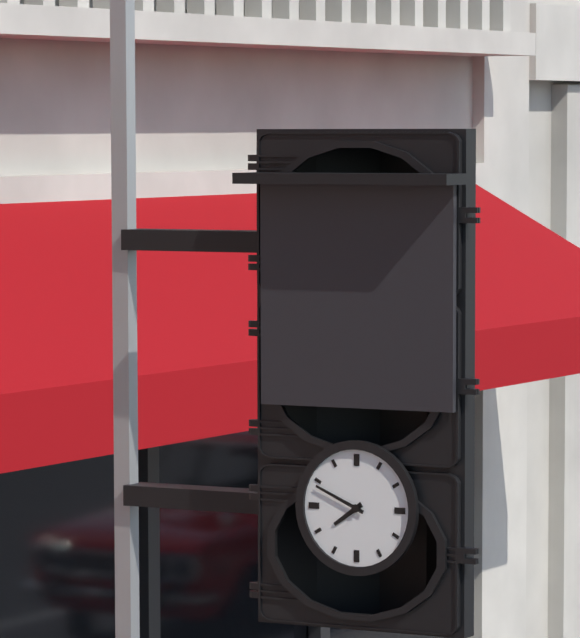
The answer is 7:49
